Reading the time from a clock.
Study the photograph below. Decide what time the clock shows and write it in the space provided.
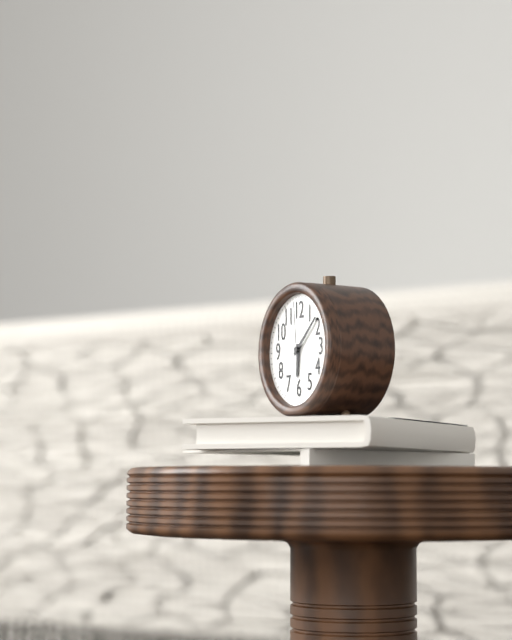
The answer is 6:08:59
